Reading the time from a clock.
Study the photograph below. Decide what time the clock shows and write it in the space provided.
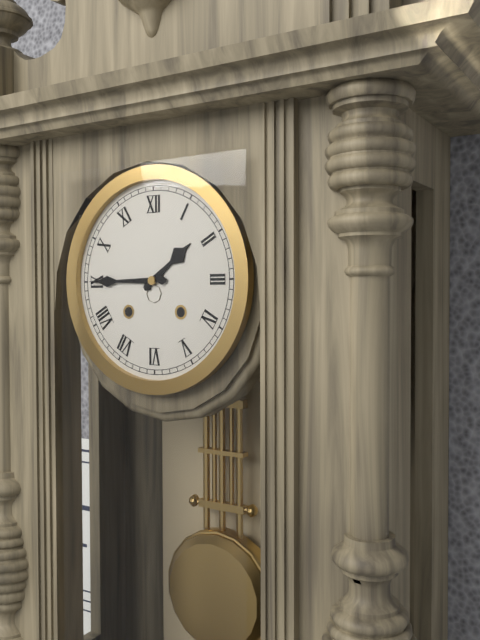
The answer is 1:45
